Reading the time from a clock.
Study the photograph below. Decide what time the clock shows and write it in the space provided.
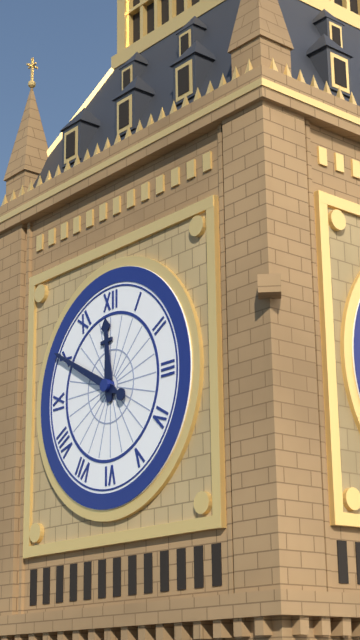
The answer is 11:50
